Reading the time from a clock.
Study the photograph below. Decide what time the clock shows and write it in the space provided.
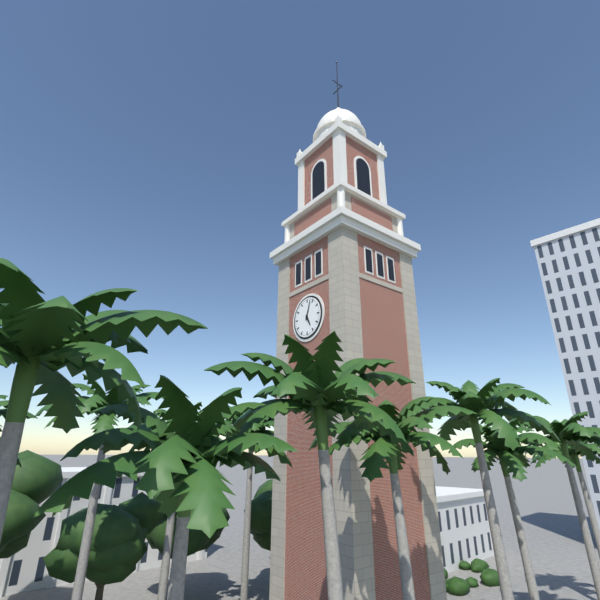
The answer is 5:03
